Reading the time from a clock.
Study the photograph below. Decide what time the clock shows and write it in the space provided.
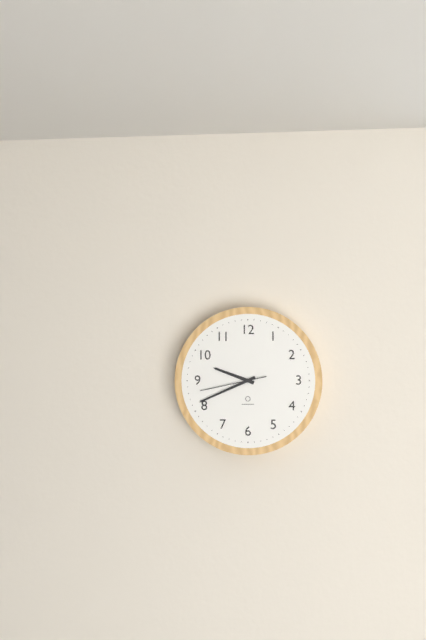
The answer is 9:41:43
